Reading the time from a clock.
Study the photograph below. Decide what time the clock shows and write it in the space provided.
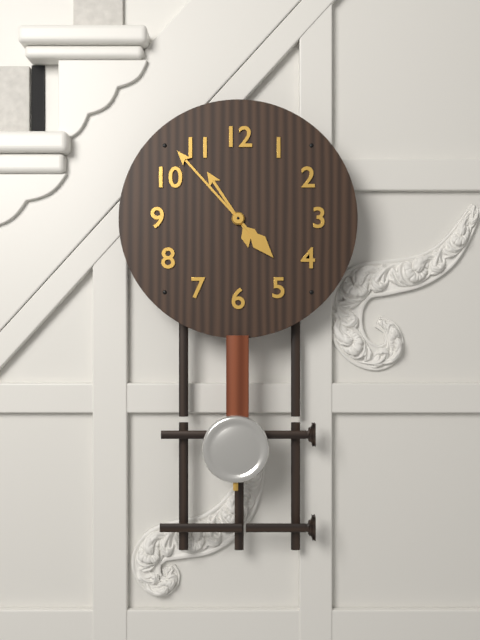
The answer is 10:53
